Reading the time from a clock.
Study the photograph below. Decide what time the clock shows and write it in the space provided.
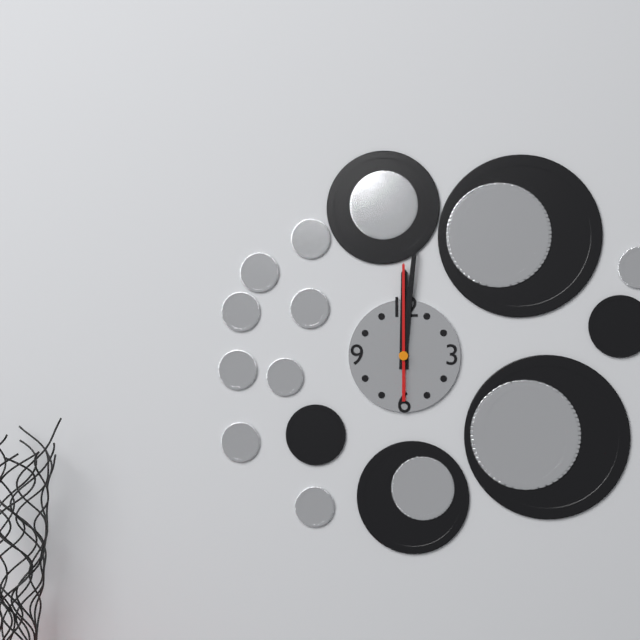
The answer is 12:01:00
